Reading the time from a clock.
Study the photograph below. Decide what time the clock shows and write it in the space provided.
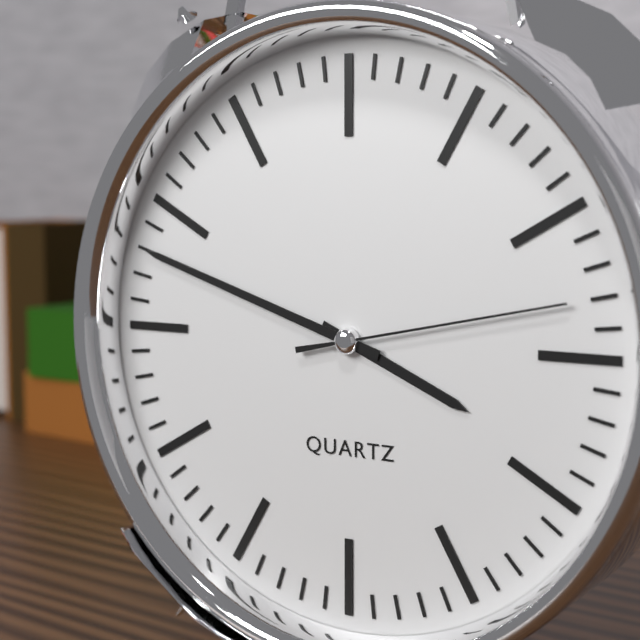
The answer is 3:48:13
